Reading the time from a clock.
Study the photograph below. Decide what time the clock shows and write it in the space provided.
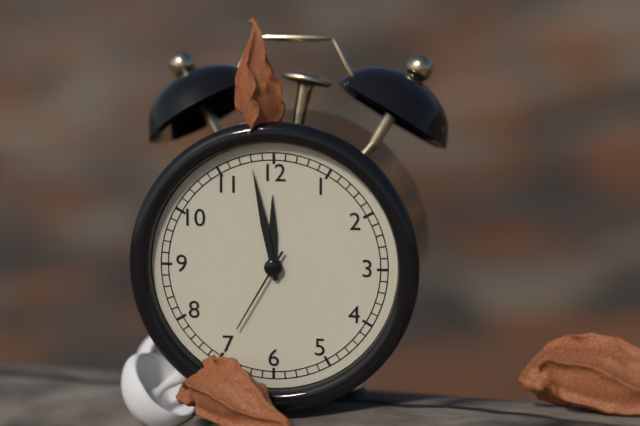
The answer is 11:58:35
